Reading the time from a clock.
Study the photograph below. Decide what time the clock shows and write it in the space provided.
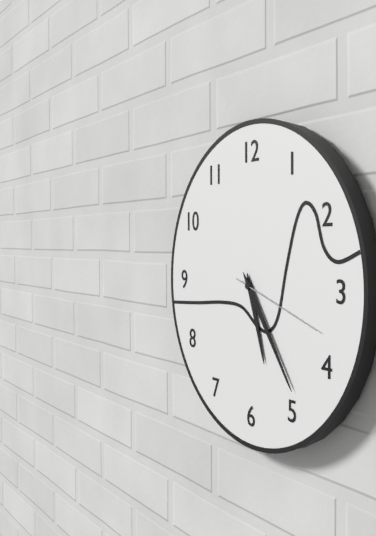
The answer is 5:24:18
